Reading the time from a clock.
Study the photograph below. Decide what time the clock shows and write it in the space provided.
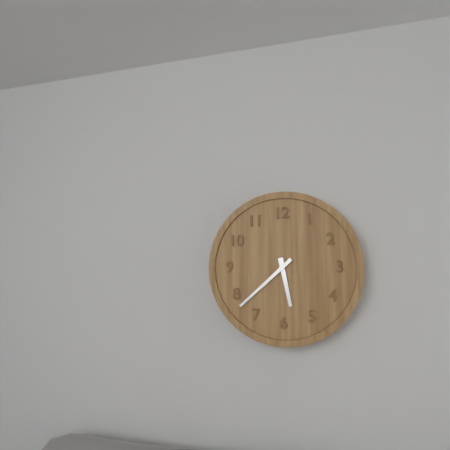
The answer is 5:38
